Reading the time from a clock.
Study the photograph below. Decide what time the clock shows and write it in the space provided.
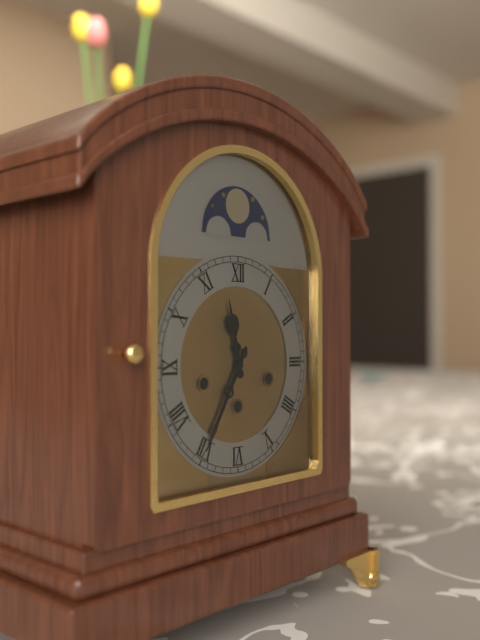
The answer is 11:35
